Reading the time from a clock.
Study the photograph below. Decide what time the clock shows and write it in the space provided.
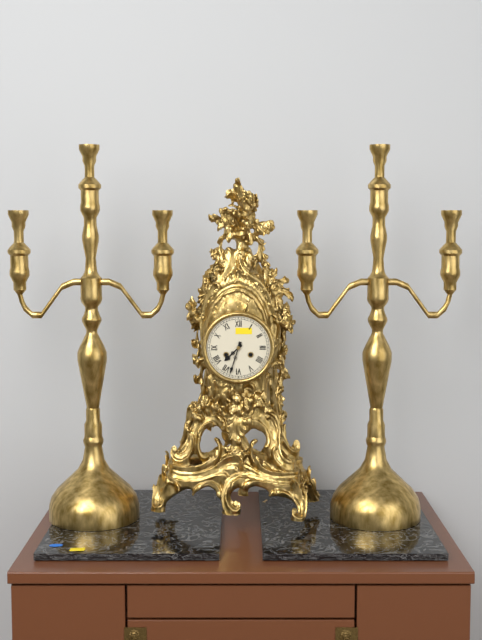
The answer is 7:33
